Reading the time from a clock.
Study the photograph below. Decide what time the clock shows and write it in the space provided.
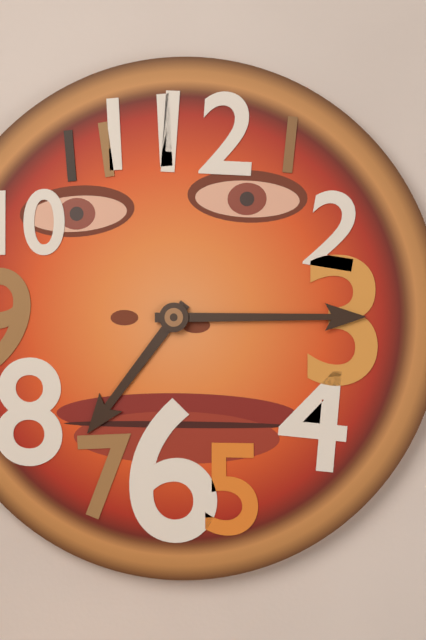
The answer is 7:15
